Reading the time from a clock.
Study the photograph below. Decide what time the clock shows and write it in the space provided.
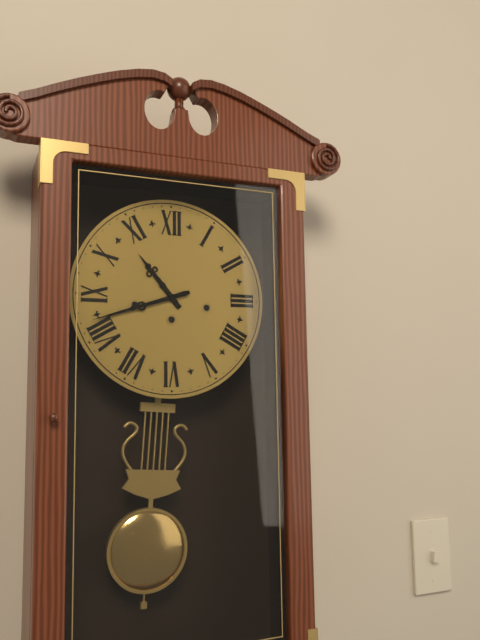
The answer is 10:42
